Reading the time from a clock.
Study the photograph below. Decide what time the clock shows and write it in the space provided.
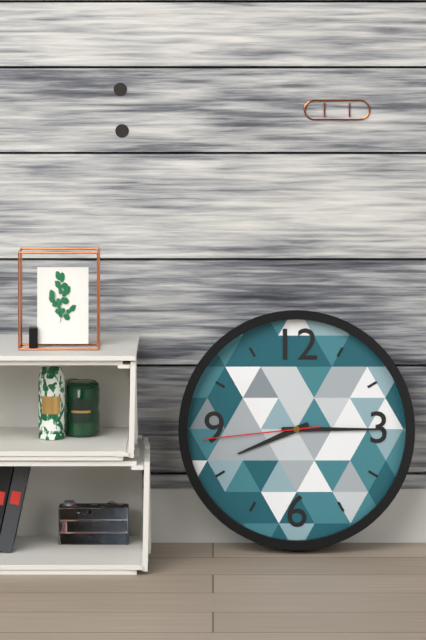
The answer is 8:15:44
